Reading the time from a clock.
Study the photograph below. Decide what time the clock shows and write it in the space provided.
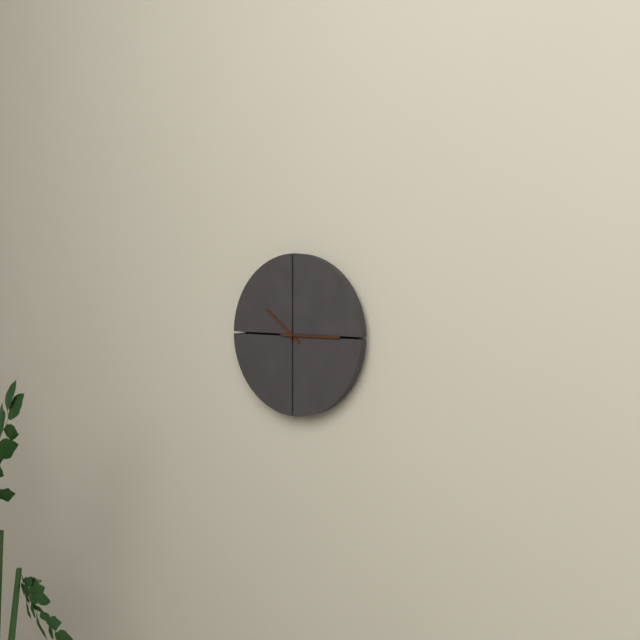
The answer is 10:15
